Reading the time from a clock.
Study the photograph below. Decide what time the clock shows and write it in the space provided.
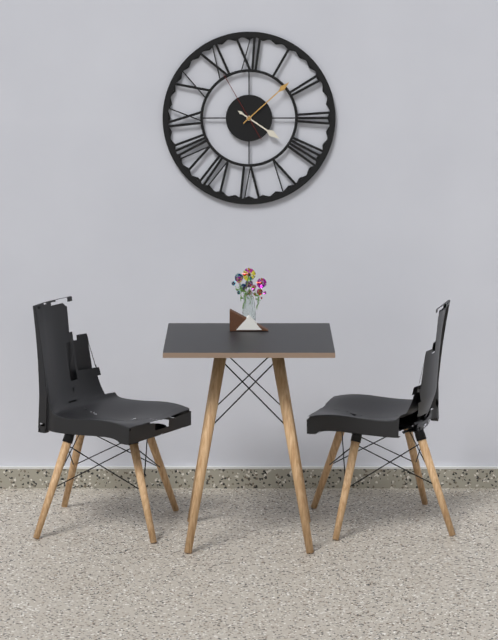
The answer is 4:08:55
